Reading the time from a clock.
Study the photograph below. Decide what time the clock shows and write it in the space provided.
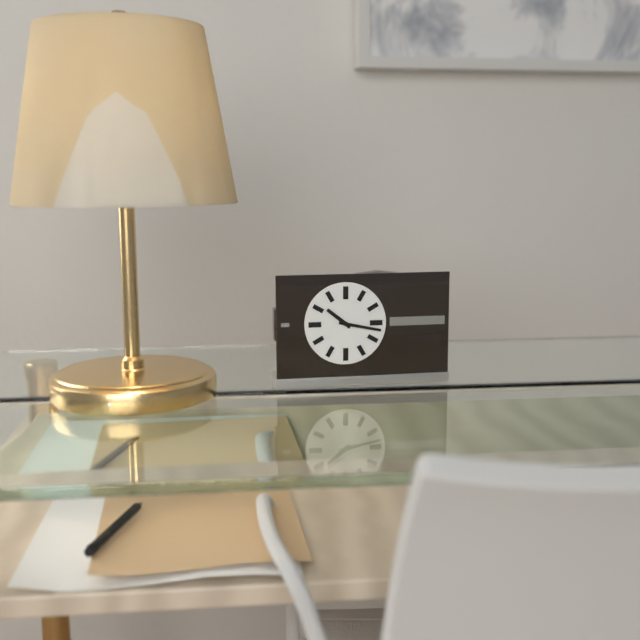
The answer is 10:17
